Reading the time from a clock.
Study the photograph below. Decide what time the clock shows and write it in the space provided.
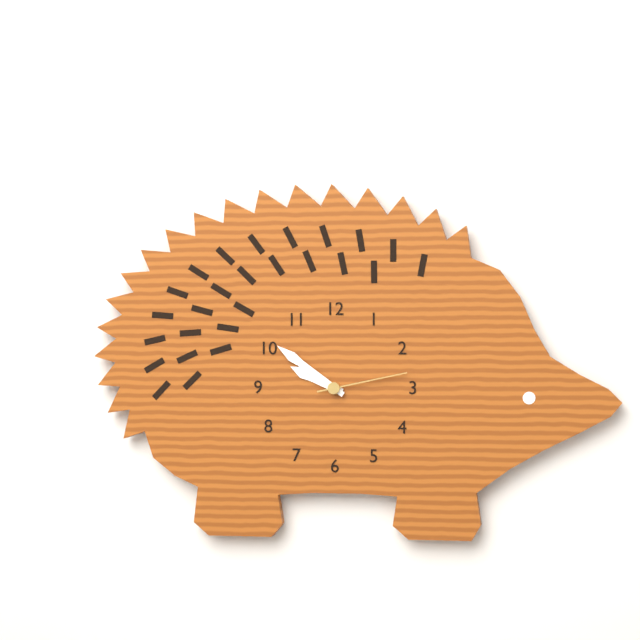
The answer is 9:51:13
